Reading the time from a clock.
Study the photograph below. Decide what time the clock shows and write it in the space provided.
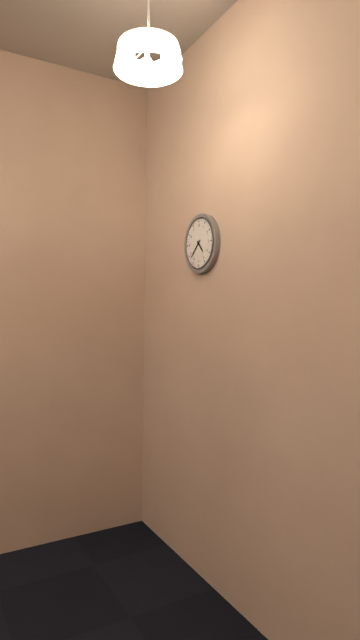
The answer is 4:38
